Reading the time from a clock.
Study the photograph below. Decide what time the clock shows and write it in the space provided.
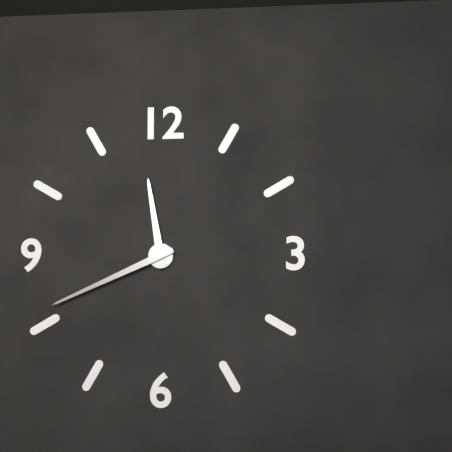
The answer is 11:41
